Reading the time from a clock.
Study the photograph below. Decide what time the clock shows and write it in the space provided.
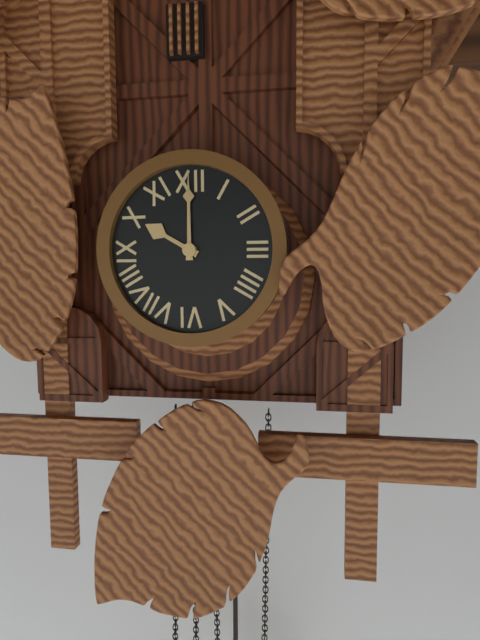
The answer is 10:00
